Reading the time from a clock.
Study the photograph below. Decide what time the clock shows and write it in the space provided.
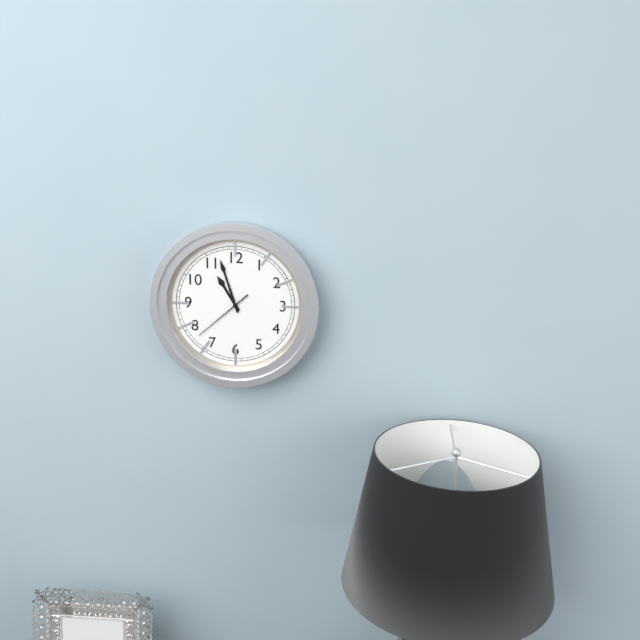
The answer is 10:57:38
